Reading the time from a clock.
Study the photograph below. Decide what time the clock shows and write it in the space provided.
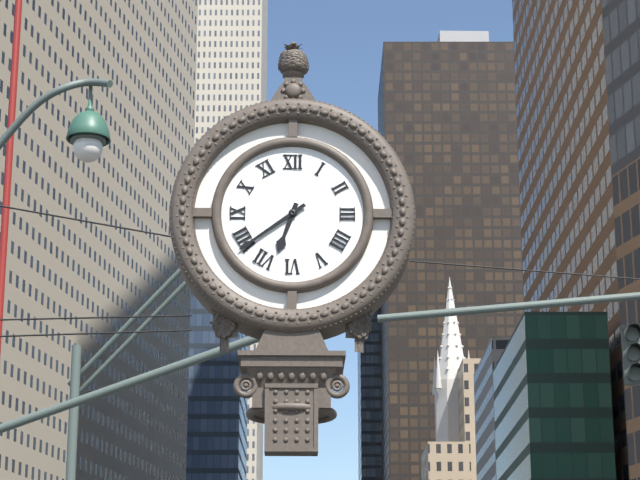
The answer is 6:39
